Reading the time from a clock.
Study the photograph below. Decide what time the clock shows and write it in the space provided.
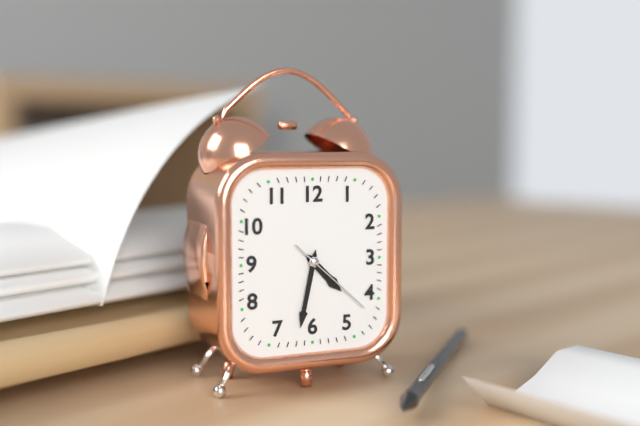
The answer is 4:32:22
